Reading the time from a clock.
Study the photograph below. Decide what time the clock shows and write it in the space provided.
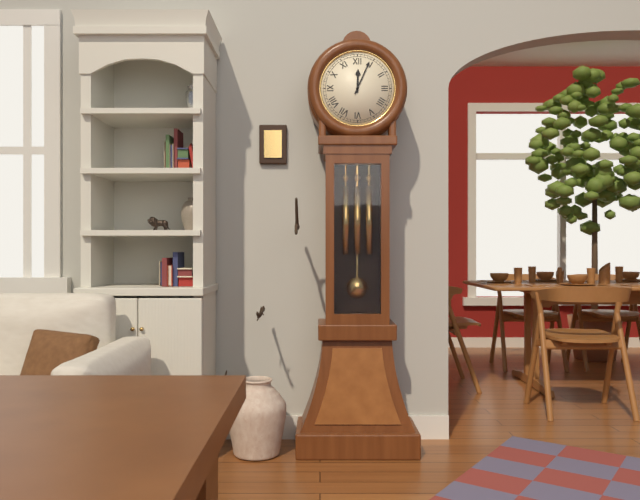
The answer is 12:04
